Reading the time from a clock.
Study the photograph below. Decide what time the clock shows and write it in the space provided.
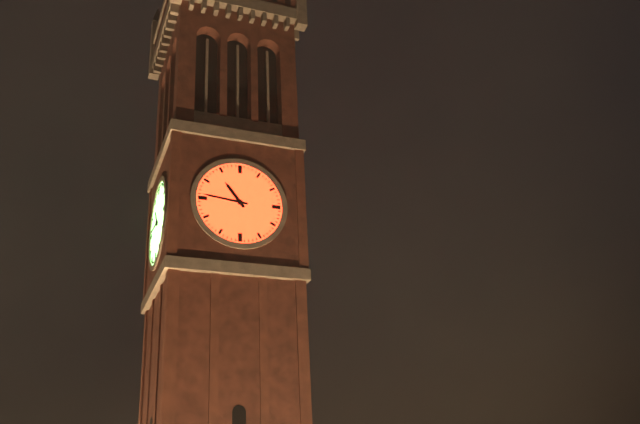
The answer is 10:46
